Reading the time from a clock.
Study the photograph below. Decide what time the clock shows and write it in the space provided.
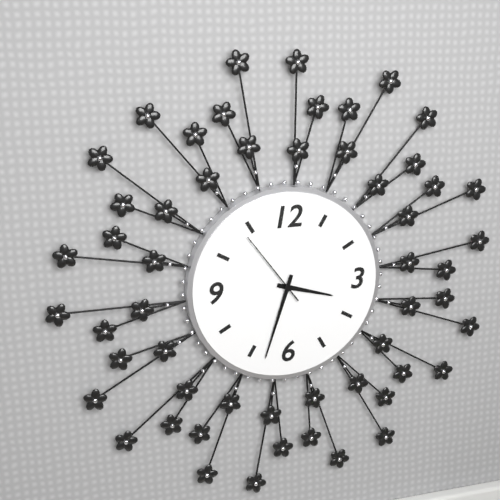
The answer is 3:33:54
